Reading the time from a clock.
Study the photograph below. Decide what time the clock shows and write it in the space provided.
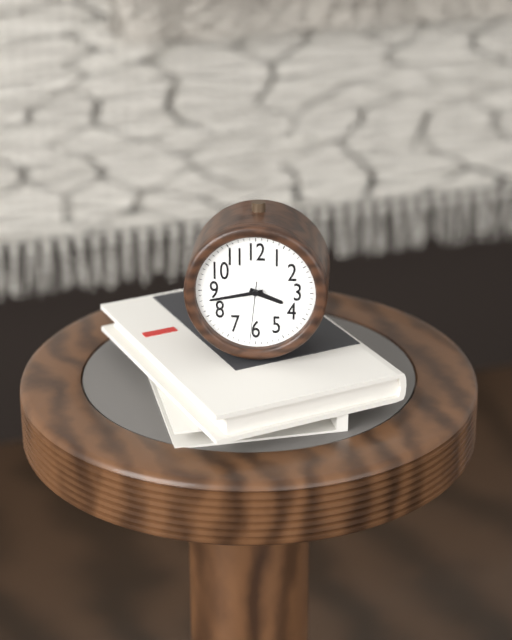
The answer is 3:43:31
